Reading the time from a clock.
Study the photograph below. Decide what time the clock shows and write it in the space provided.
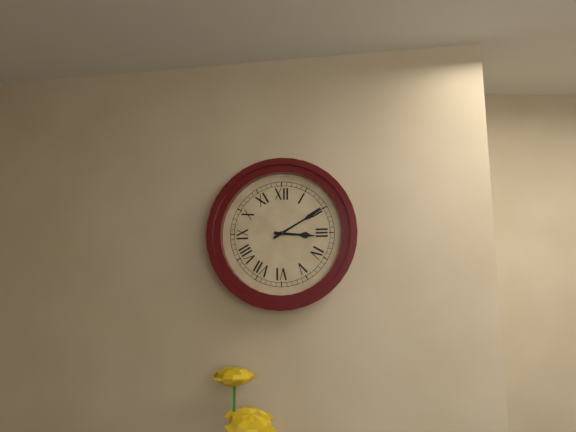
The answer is 3:10
